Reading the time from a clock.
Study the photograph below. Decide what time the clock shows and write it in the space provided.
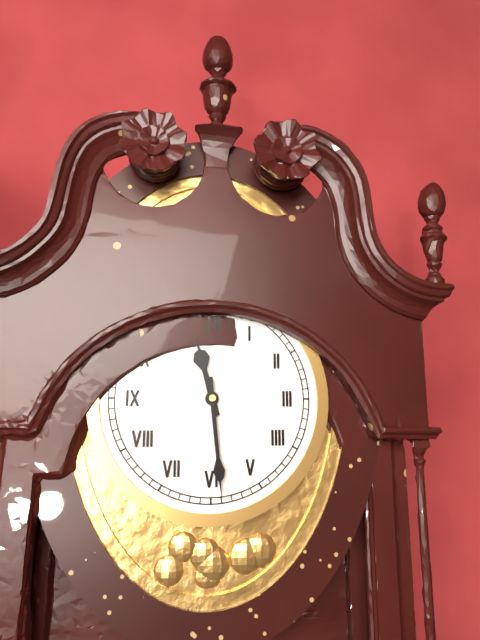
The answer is 11:29
